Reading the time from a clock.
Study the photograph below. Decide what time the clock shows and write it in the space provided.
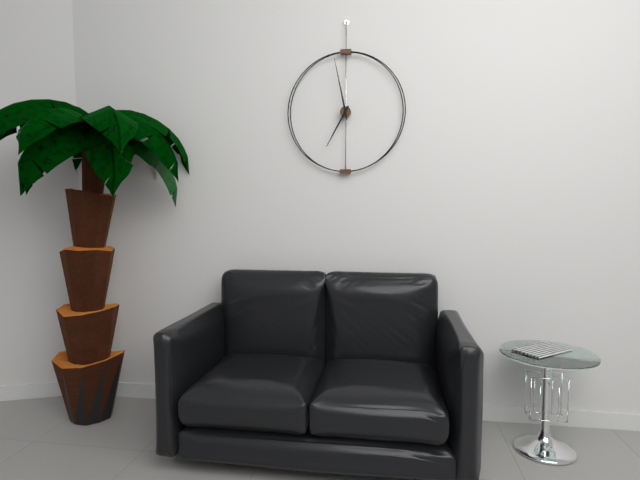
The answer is 6:58
